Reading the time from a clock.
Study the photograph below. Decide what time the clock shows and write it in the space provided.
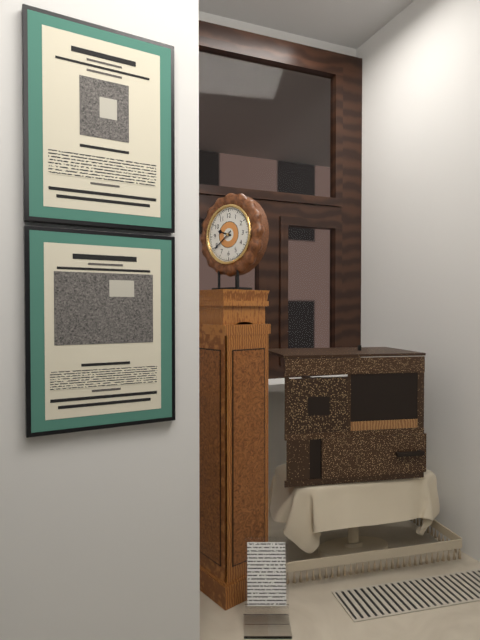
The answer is 9:39
